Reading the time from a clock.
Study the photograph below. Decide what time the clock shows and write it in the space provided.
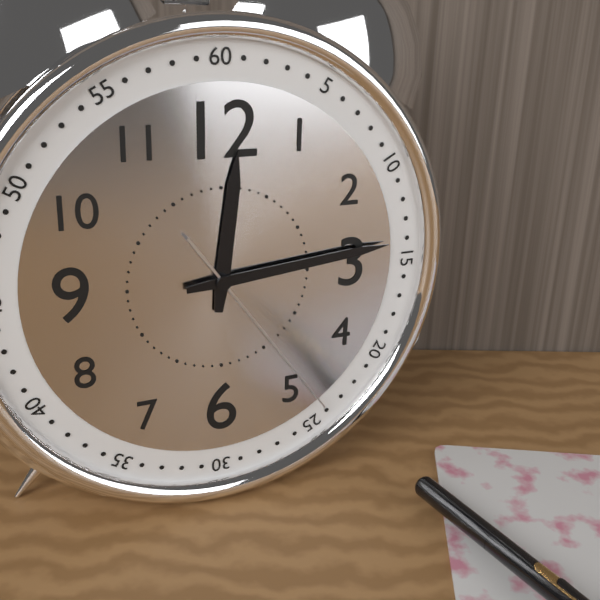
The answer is 12:14:24
